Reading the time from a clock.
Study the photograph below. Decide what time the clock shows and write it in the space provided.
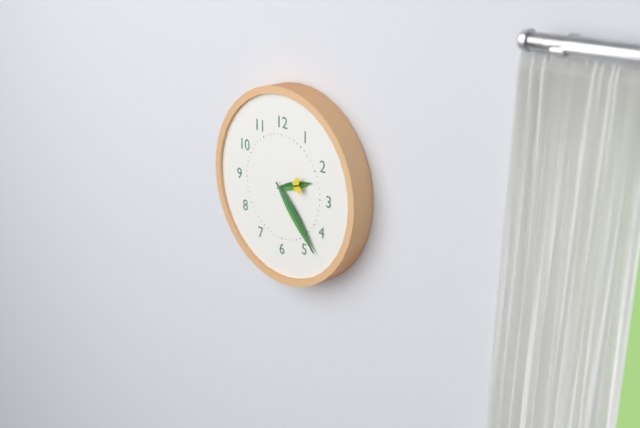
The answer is 2:23
